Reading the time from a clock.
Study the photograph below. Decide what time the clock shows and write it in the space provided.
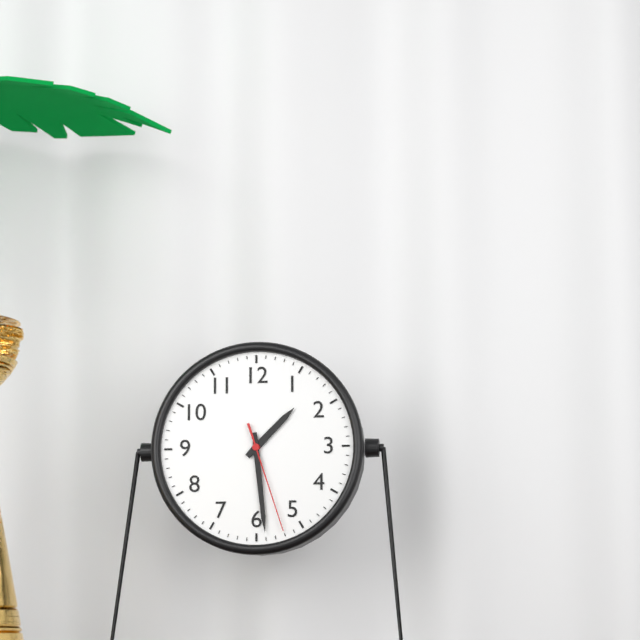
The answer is 1:29:27
